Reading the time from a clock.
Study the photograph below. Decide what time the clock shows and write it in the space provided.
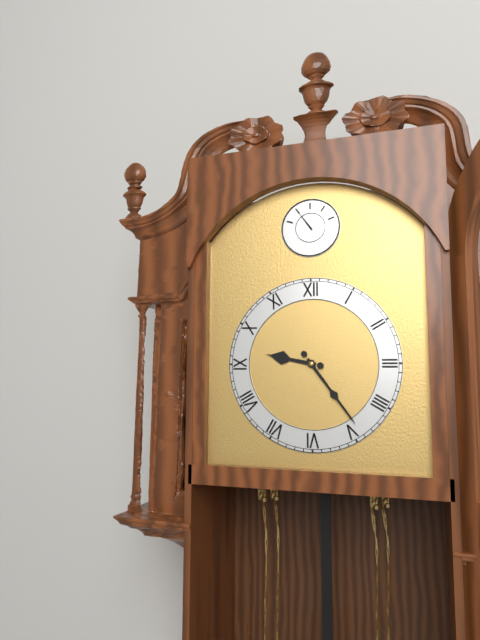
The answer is 9:24
